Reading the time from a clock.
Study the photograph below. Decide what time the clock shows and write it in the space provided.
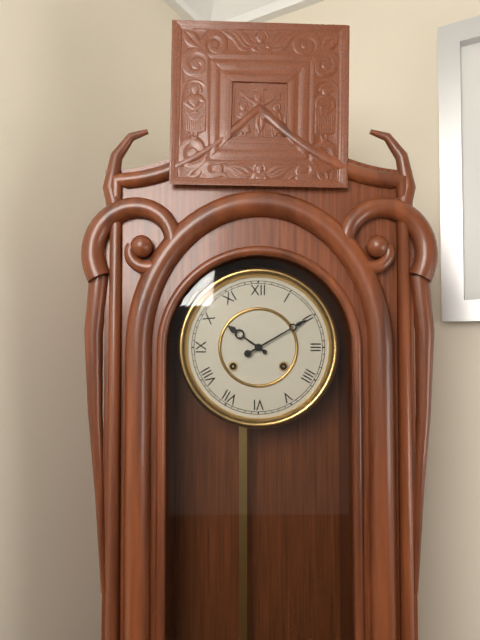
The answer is 10:10
